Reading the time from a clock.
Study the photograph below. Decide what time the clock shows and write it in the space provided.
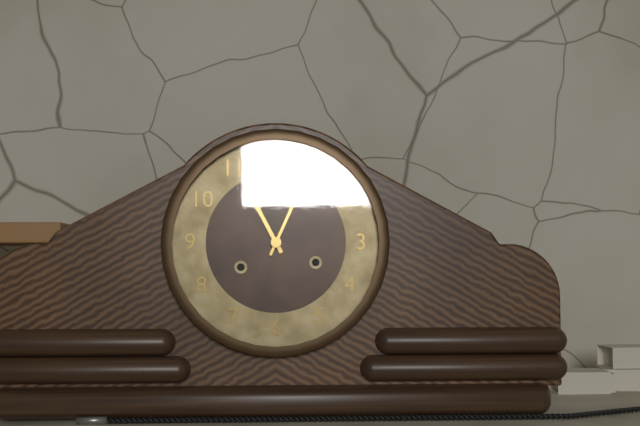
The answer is 11:04
